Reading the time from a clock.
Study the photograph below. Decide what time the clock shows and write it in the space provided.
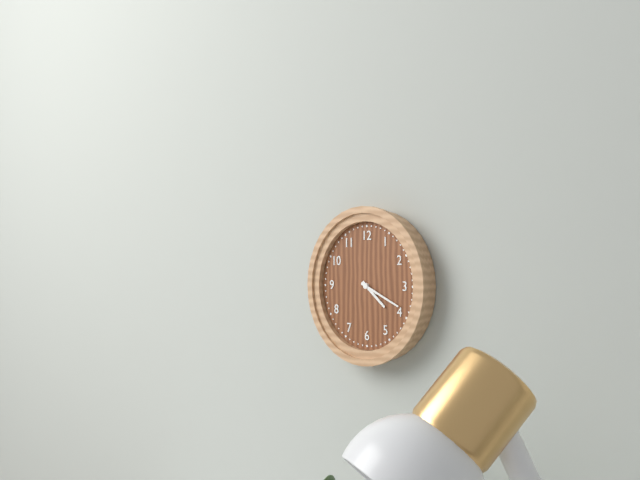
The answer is 4:19
